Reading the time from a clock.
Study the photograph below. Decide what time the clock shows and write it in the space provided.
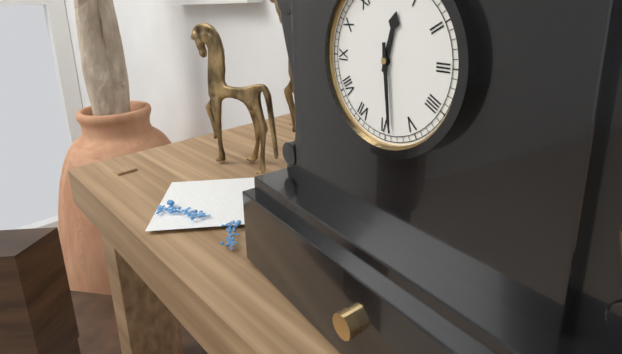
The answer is 12:29
